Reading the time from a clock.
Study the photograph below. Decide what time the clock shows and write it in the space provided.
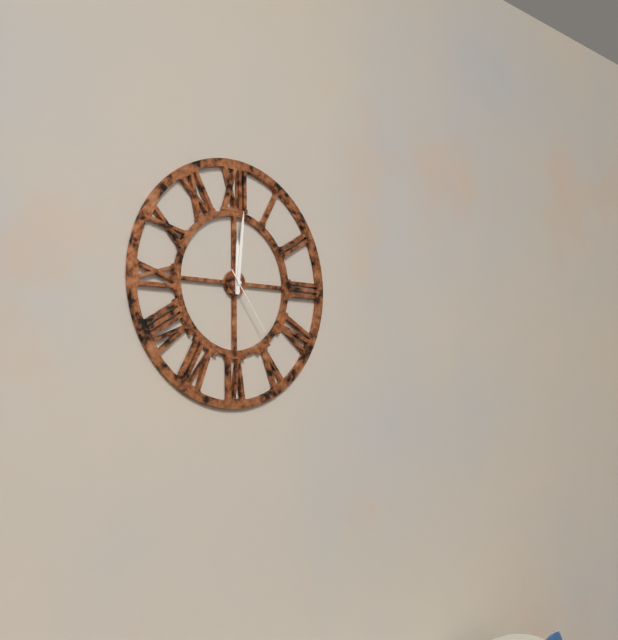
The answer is 12:01:24
